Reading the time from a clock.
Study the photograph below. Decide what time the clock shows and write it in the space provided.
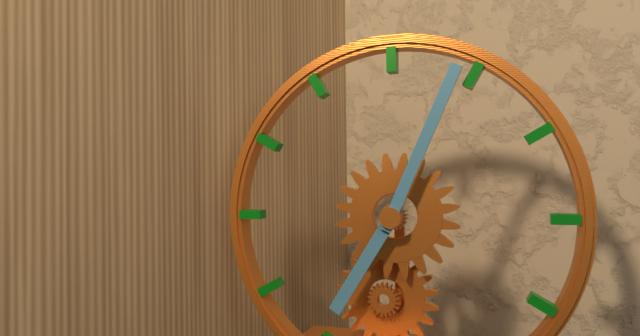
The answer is 7:04
